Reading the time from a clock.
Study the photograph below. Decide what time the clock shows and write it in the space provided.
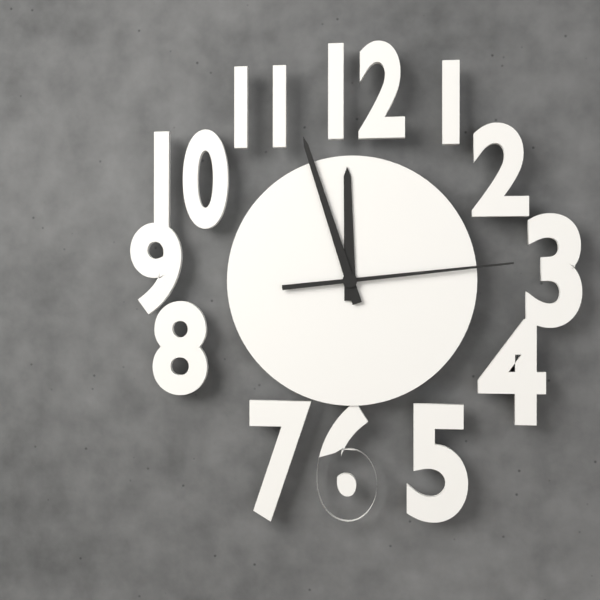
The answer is 11:57:14
